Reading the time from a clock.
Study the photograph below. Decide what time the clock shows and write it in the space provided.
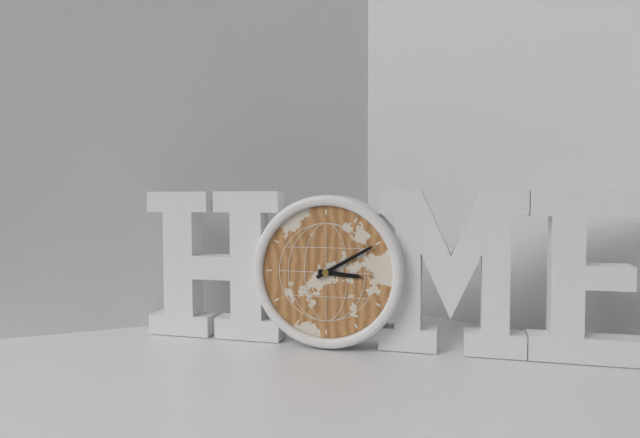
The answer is 3:10
